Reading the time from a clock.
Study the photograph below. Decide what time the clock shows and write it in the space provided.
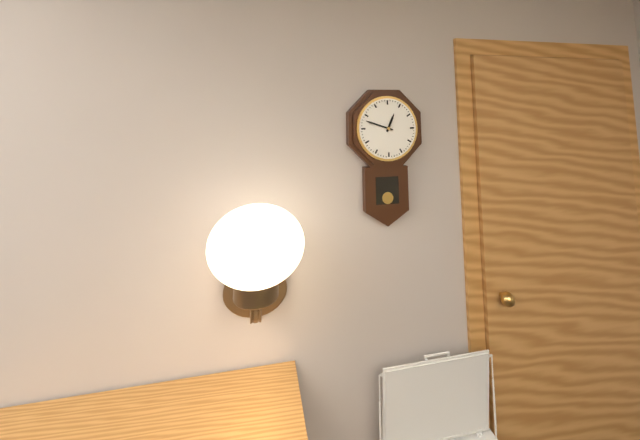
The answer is 12:48
